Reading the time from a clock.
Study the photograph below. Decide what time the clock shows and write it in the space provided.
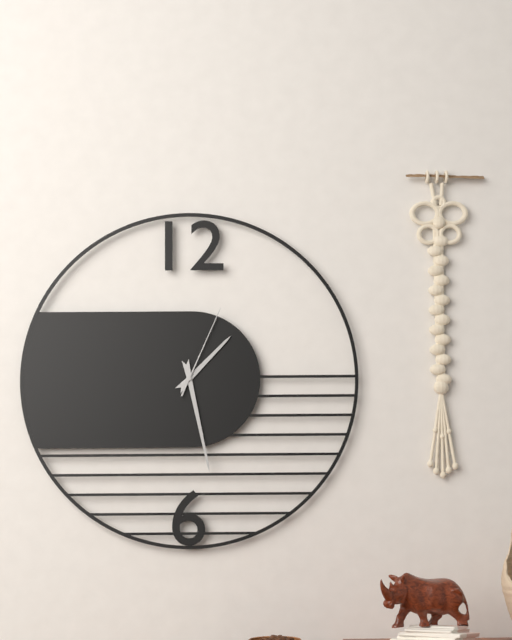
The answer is 1:28:04
